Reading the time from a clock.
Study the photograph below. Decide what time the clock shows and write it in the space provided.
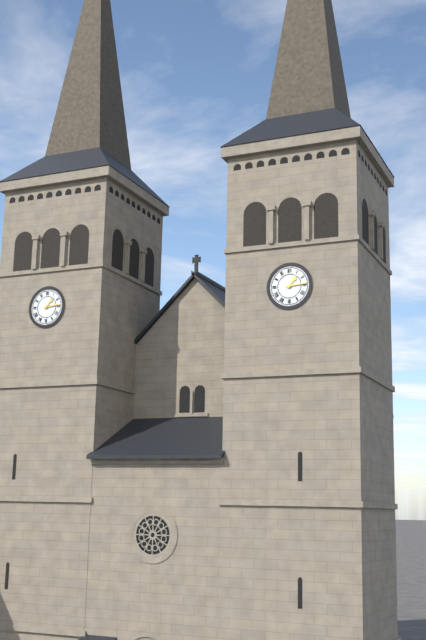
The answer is 1:14
